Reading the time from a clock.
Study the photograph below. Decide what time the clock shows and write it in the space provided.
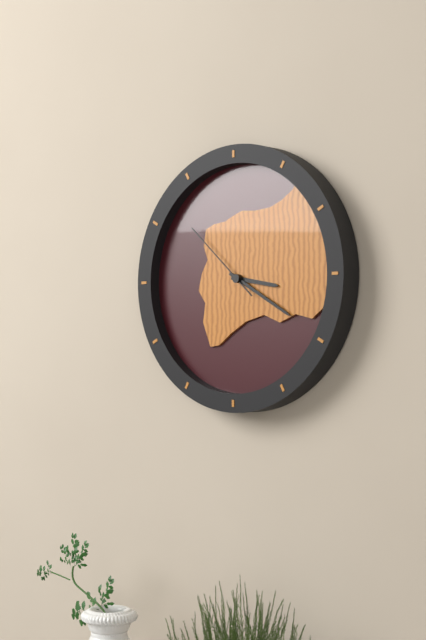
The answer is 3:20:52
